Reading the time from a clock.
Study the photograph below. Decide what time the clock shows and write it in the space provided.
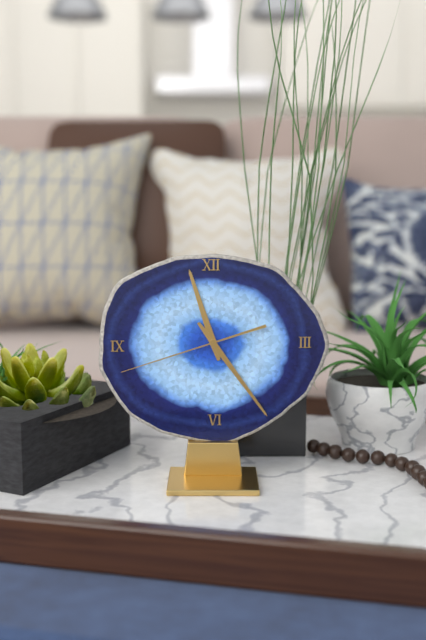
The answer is 11:24:42
